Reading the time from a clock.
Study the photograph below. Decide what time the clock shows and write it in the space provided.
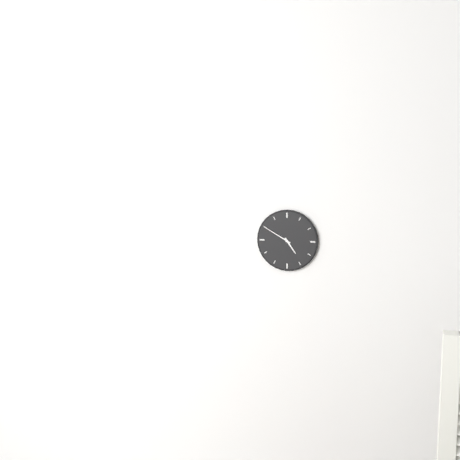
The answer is 4:50
